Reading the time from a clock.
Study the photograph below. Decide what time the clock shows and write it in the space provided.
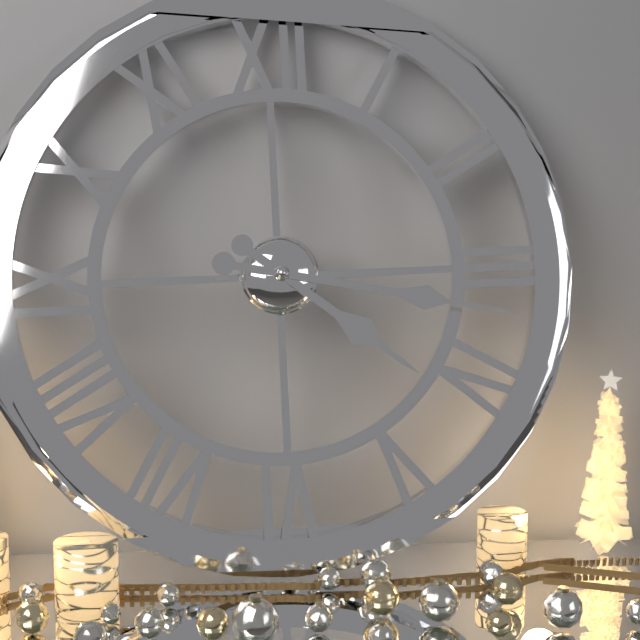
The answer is 4:17
